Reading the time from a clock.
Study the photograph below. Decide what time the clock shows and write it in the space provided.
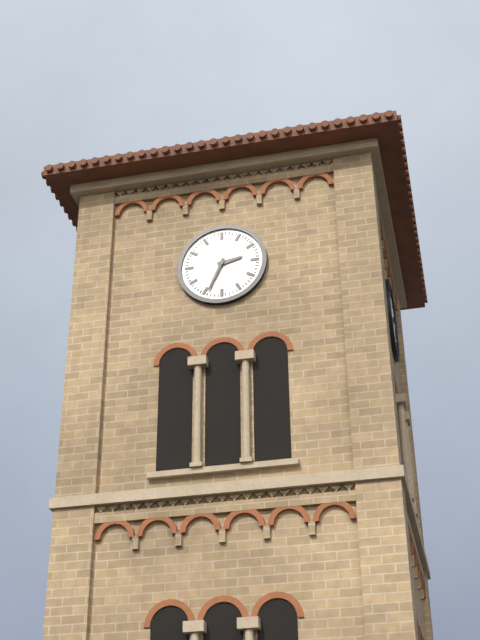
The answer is 2:34
